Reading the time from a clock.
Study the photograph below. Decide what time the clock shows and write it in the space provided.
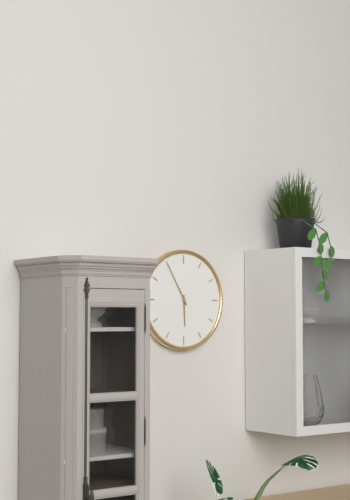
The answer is 5:55
